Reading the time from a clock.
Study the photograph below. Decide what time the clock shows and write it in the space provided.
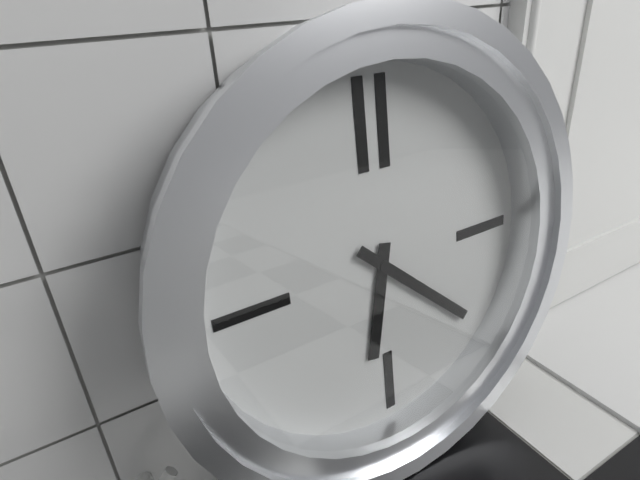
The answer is 6:22
